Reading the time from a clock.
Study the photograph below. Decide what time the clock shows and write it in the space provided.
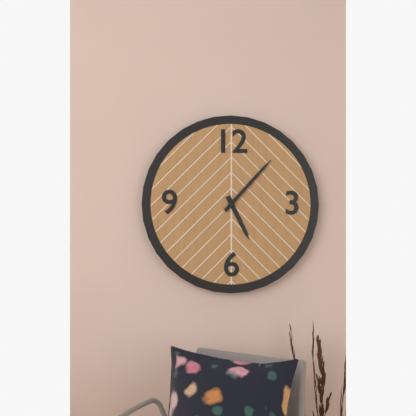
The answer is 5:07
